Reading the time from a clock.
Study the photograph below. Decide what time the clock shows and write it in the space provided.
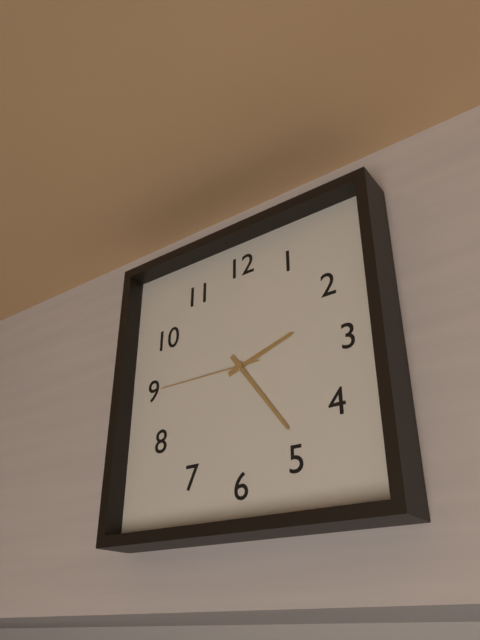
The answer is 2:24:45
